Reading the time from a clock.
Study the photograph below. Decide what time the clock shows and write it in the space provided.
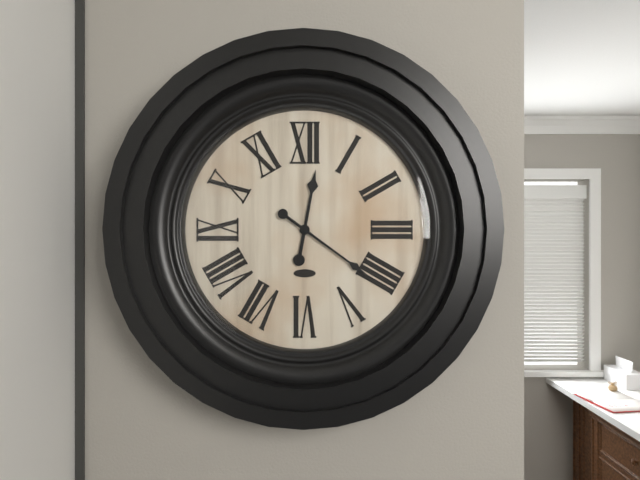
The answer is 12:21
